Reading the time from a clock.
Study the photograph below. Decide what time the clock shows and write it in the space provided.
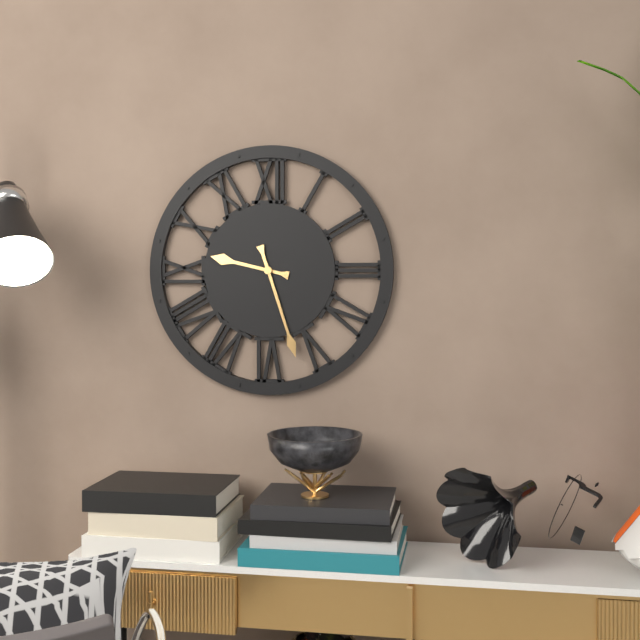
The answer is 9:27
